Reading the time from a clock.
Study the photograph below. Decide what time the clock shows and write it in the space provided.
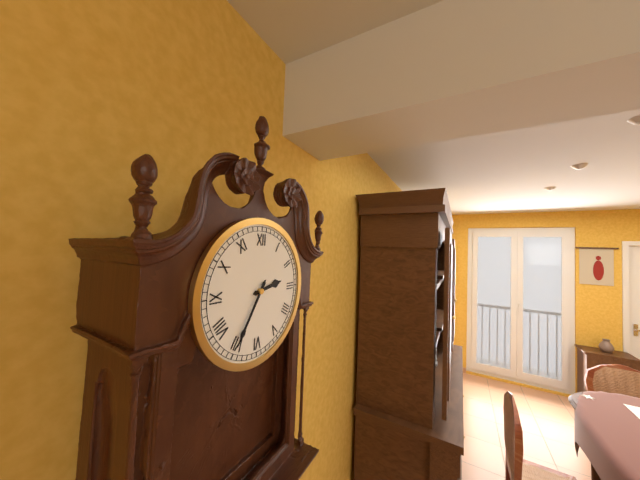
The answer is 2:35
